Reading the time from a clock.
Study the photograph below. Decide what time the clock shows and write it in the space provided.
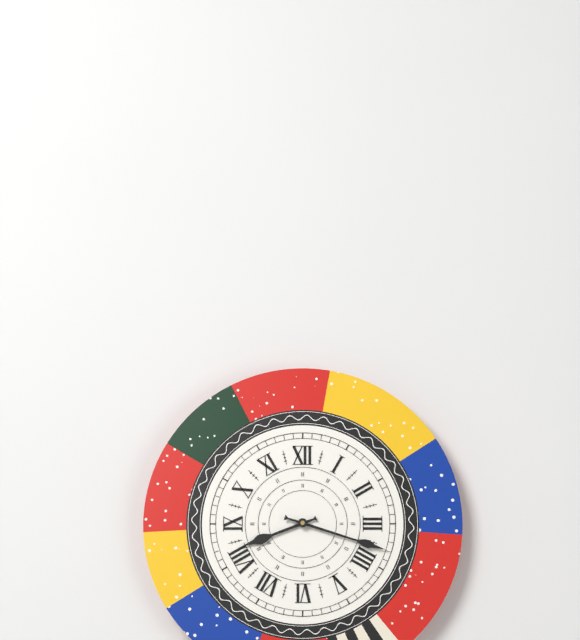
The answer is 8:18
